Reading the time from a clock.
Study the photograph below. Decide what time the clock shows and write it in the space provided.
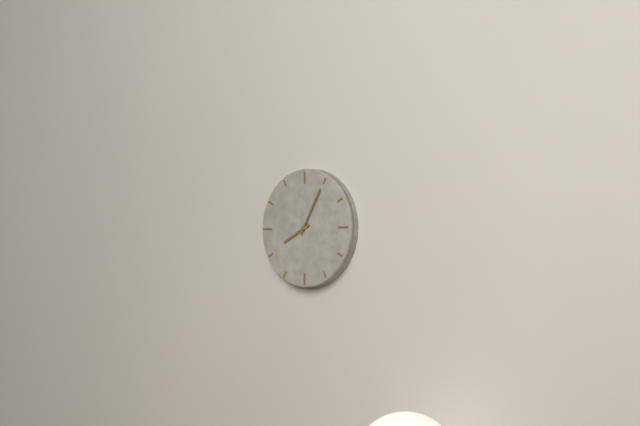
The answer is 8:05
